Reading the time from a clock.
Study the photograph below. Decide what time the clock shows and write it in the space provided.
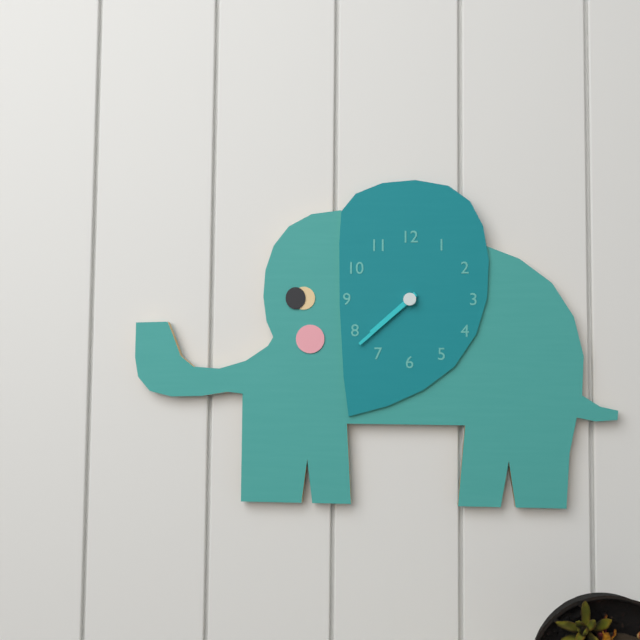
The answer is 7:38
